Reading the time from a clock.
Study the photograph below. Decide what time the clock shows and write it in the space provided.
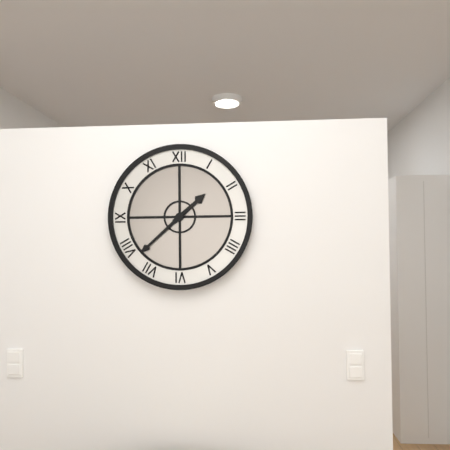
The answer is 1:38
